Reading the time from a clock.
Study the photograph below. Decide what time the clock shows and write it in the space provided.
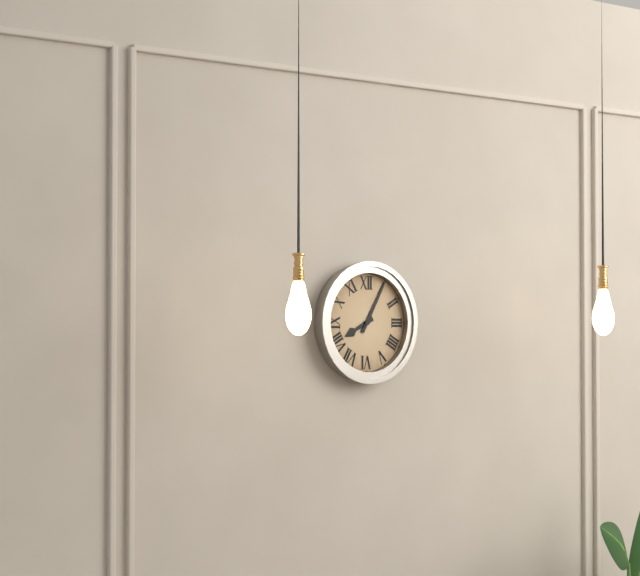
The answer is 8:05
